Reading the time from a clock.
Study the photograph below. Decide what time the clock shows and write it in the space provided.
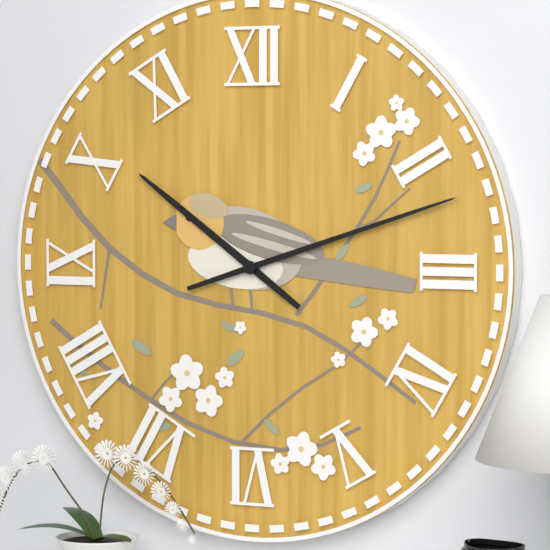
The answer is 10:12
